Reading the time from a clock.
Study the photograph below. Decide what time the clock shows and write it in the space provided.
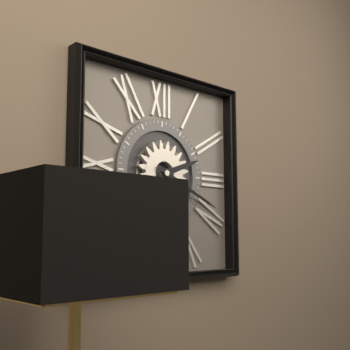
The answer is 2:19
